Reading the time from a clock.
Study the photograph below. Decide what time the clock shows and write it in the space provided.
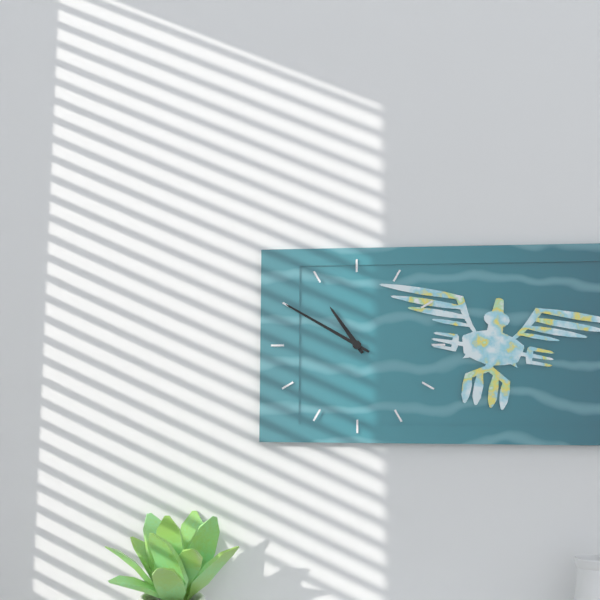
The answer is 10:50
